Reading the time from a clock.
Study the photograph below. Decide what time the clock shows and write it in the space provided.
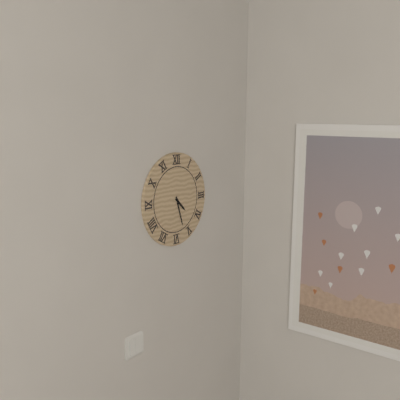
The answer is 4:27
